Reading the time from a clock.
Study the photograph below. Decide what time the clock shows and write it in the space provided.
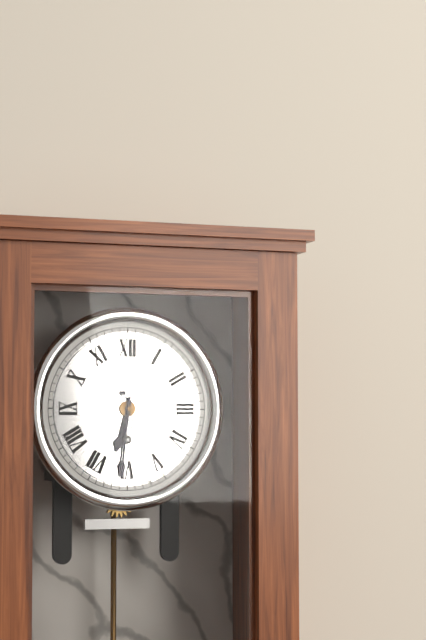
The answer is 6:31:27
